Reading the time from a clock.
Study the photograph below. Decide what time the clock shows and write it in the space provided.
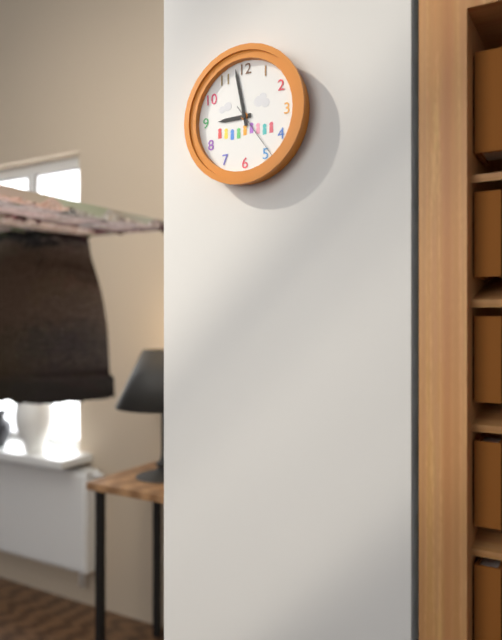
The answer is 8:58:24
